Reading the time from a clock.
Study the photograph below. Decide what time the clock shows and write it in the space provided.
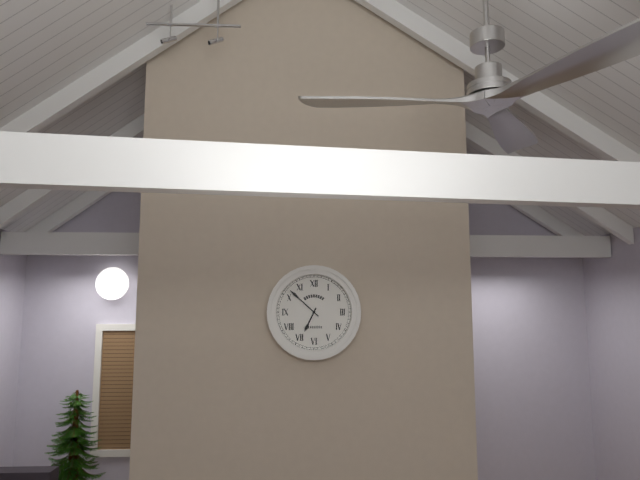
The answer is 6:52
